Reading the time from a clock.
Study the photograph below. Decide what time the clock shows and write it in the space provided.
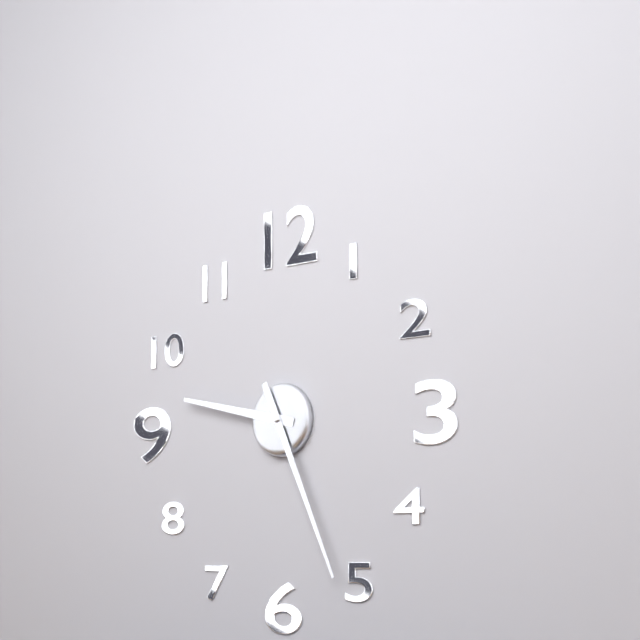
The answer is 9:26
